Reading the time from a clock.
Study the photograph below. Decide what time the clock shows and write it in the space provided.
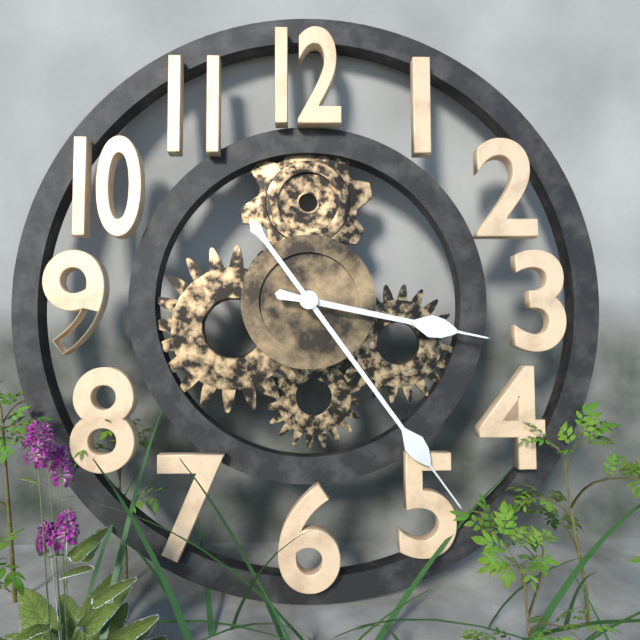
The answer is 3:24
